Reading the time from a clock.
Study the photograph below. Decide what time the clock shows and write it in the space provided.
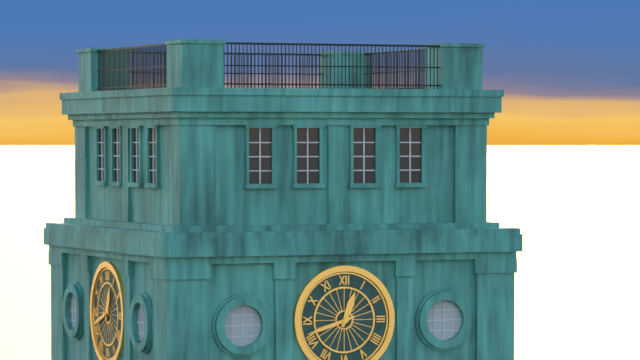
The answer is 12:42
